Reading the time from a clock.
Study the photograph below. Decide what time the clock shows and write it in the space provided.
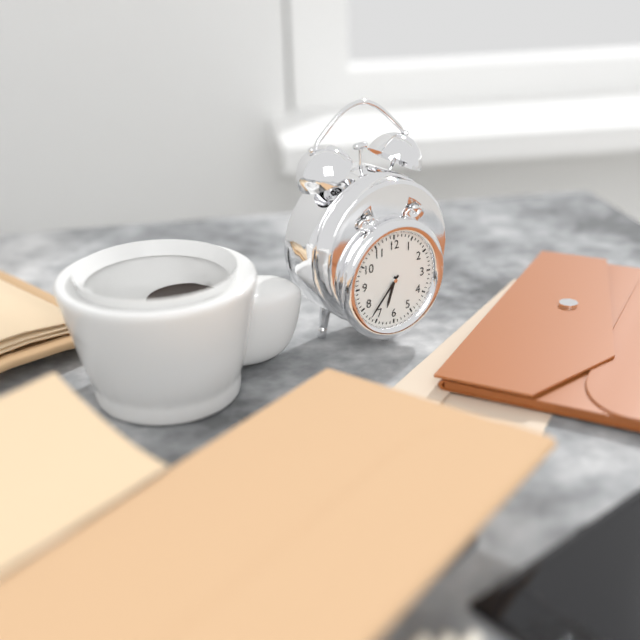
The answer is 6:37
